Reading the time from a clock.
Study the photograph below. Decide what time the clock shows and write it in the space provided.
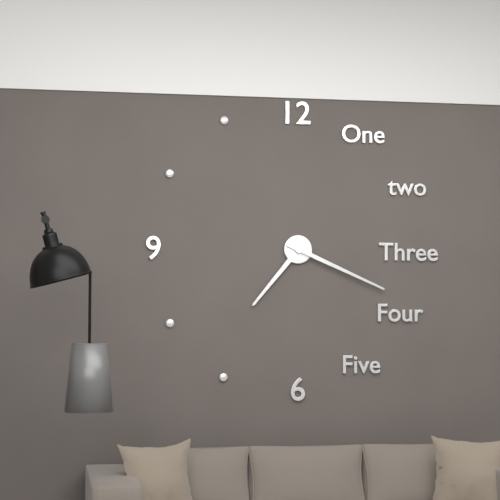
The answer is 7:19
